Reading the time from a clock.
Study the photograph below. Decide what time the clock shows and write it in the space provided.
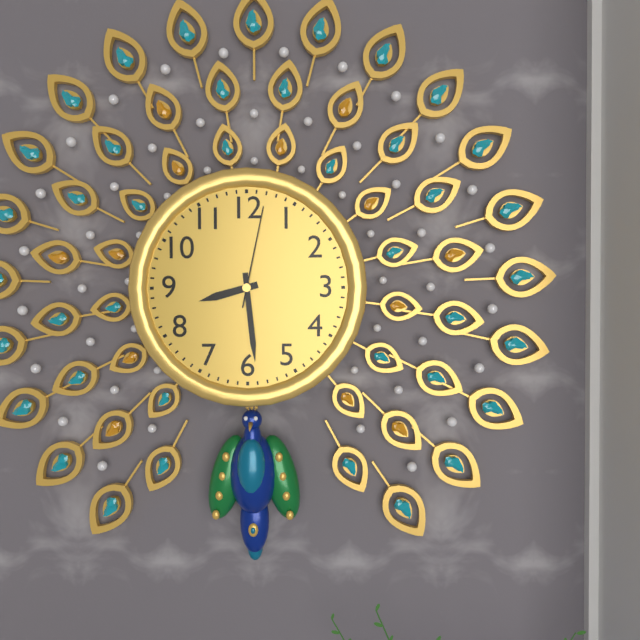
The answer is 8:29:02
